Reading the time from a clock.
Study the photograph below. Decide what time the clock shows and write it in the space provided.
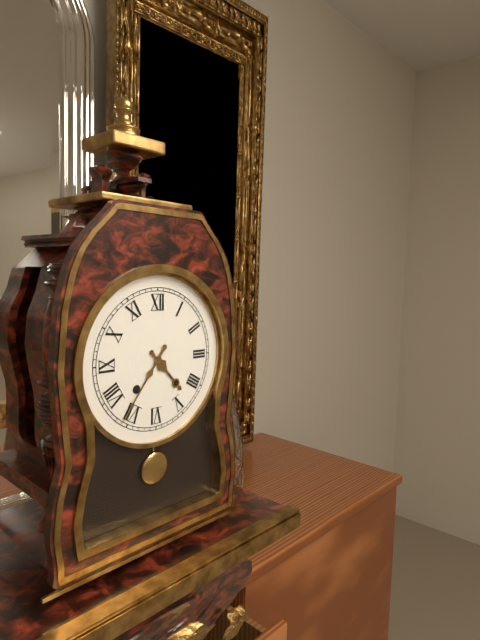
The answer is 4:36
